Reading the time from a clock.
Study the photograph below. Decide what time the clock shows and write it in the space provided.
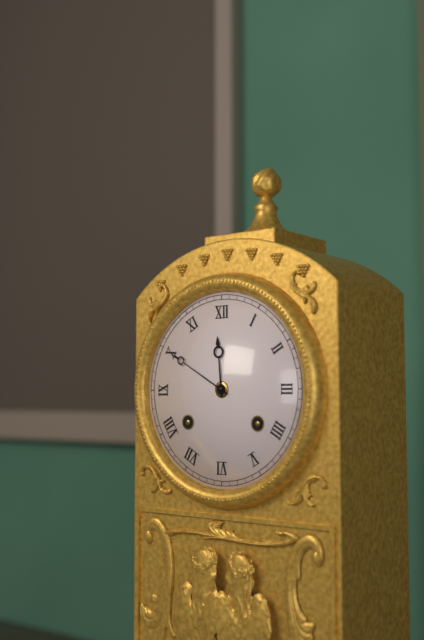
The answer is 11:50
